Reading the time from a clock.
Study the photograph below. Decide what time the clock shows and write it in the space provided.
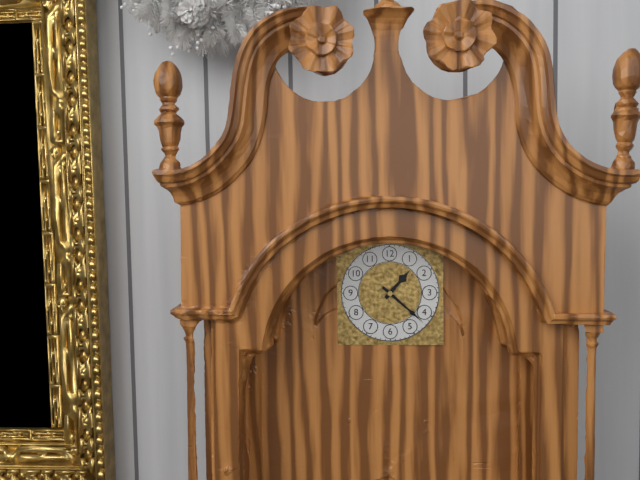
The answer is 1:22
